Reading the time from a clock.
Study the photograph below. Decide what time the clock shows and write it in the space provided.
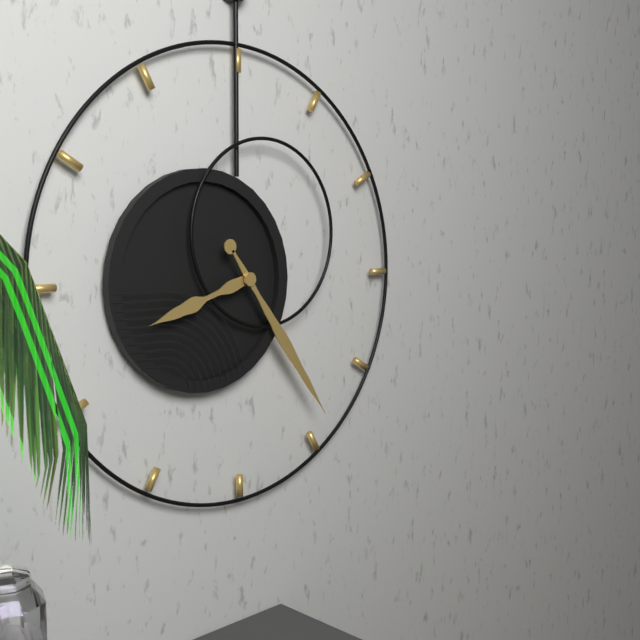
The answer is 8:24
